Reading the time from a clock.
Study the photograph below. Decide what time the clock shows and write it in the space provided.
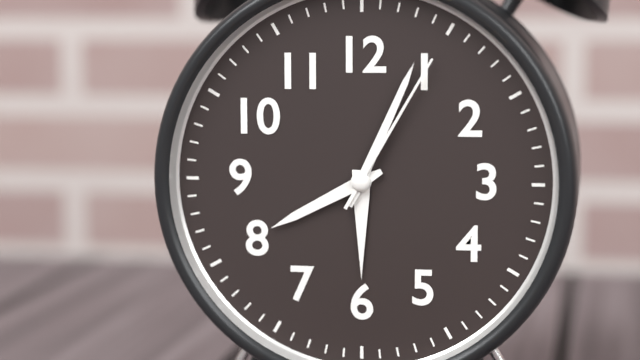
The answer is 8:04:05
